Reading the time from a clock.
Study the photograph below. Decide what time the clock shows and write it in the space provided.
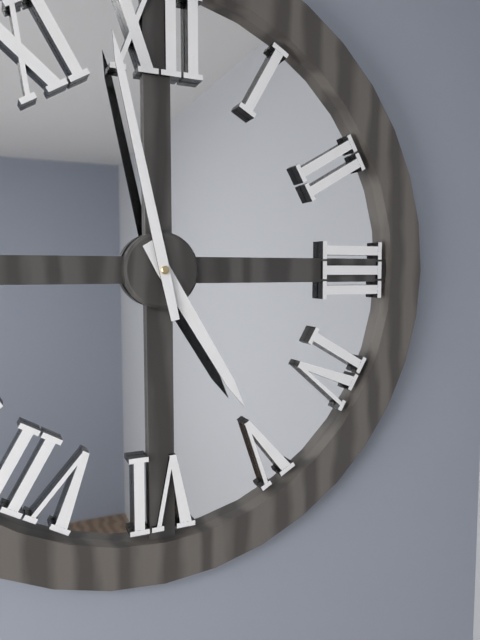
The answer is 4:58
